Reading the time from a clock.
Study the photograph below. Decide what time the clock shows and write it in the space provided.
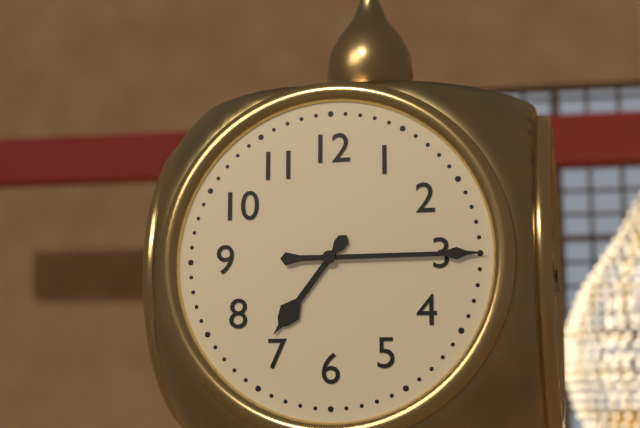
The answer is 7:15
